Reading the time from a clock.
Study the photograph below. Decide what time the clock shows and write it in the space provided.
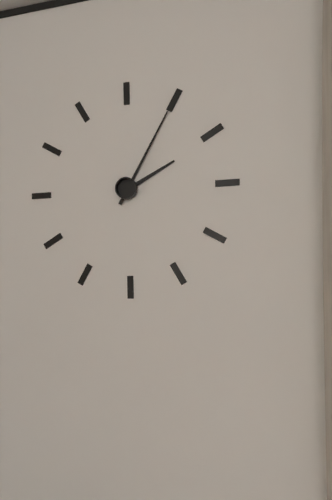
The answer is 2:05
